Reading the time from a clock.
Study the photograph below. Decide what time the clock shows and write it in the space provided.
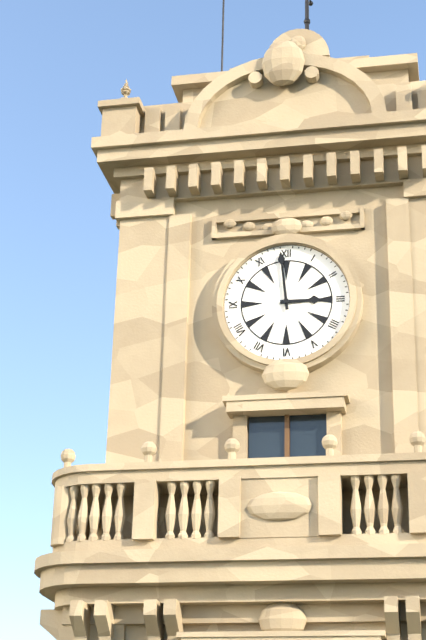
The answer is 2:59
